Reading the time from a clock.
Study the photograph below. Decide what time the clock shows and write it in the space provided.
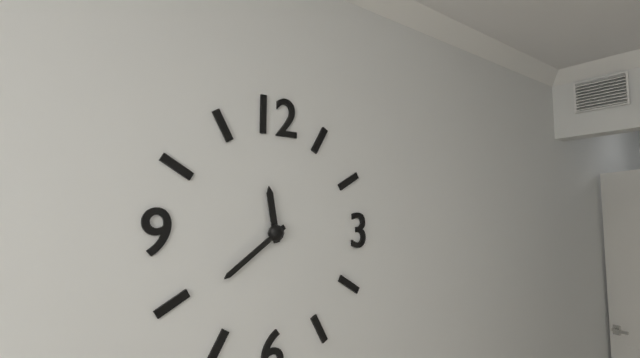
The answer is 11:39
